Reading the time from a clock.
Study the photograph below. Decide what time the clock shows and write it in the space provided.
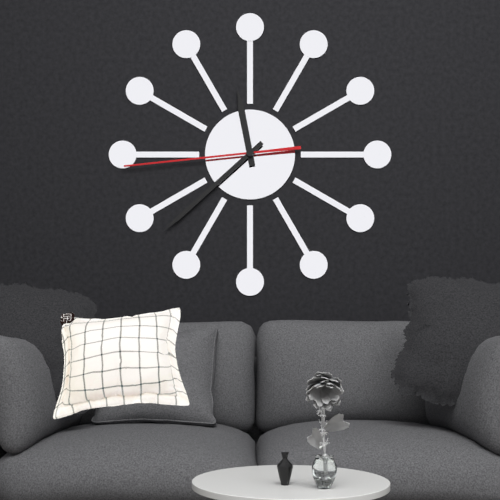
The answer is 11:38:44
